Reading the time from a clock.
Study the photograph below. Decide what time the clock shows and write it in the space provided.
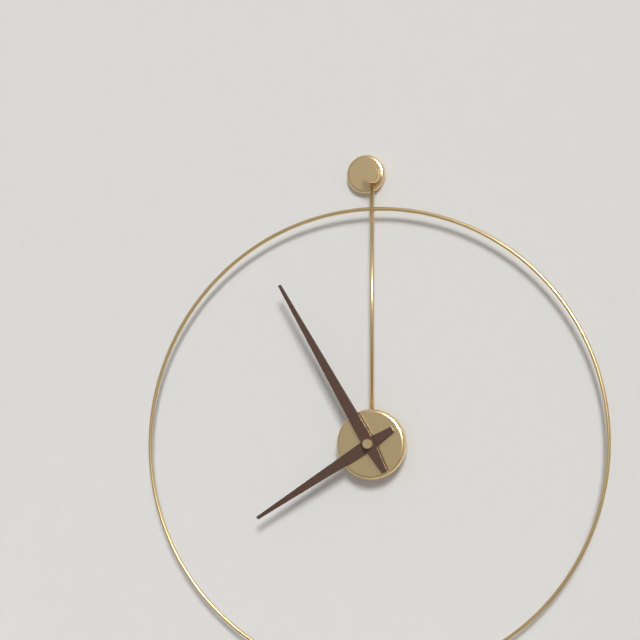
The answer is 7:55
